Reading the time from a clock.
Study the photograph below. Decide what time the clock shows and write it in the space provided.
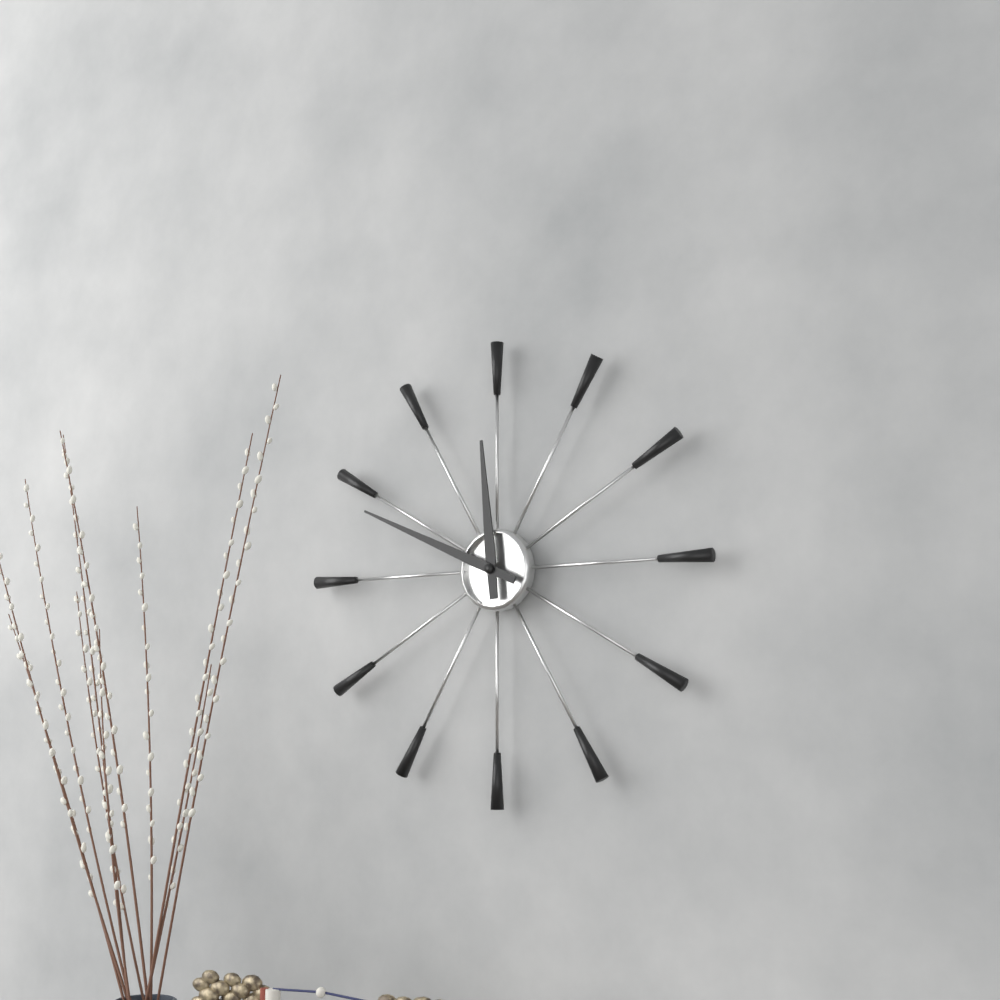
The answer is 11:49
